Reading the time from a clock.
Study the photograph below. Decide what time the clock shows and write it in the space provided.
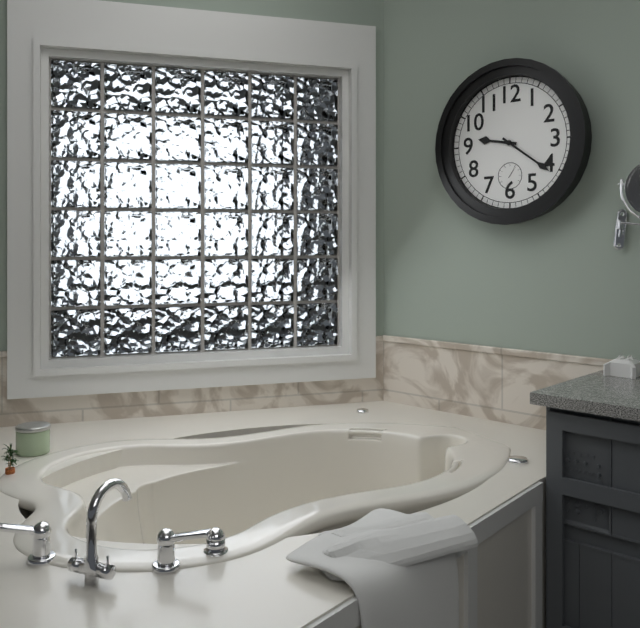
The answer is 9:21
